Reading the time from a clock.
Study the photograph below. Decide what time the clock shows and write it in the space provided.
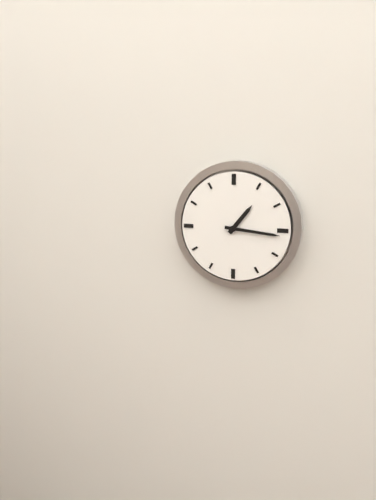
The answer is 1:16
